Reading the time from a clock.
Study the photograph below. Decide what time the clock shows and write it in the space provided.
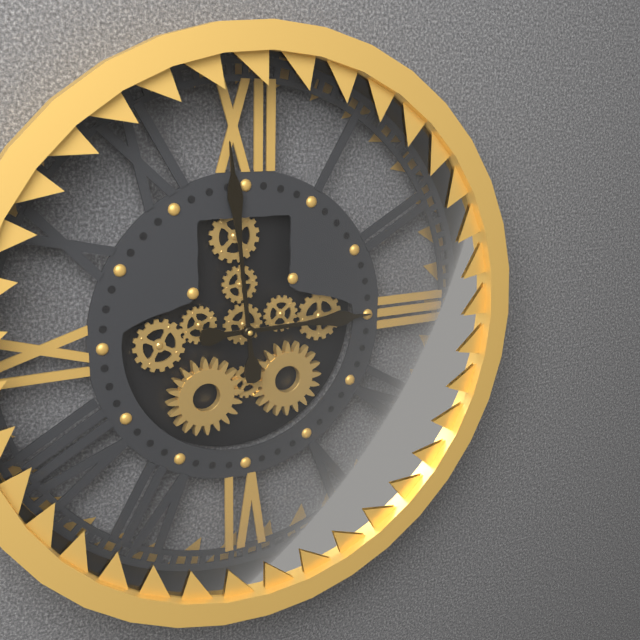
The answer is 2:59
